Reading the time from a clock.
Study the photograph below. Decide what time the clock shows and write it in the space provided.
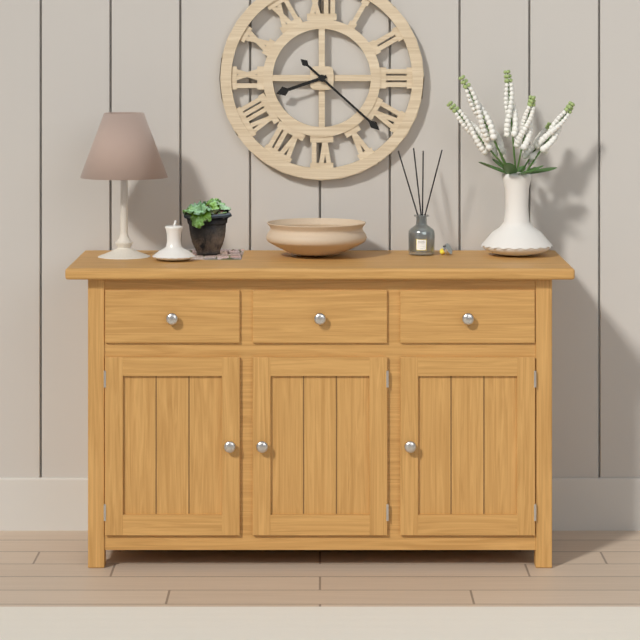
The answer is 8:22
